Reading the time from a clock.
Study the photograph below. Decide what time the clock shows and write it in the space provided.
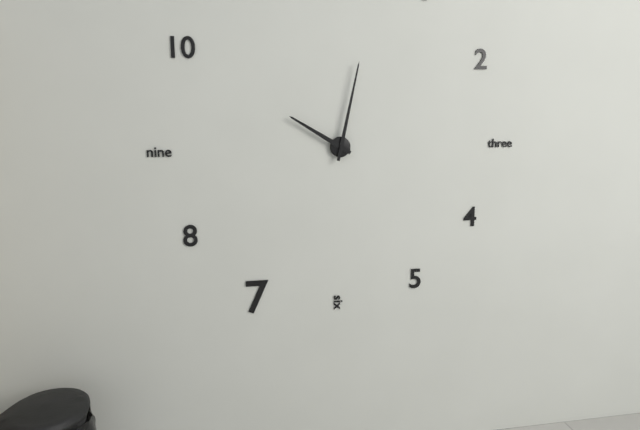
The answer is 10:02
